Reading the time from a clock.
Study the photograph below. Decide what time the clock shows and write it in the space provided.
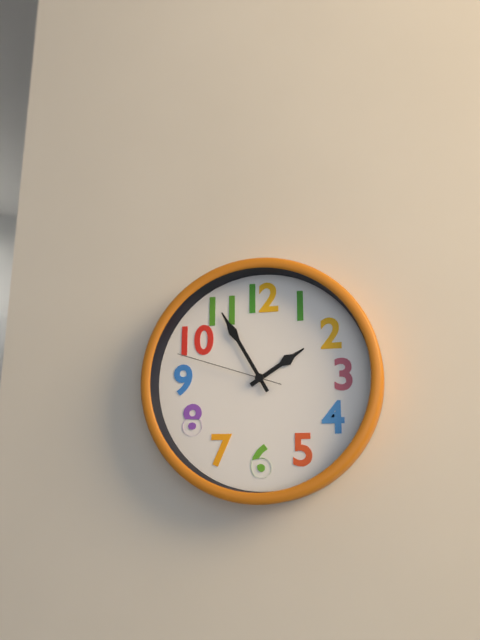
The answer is 1:55:48
